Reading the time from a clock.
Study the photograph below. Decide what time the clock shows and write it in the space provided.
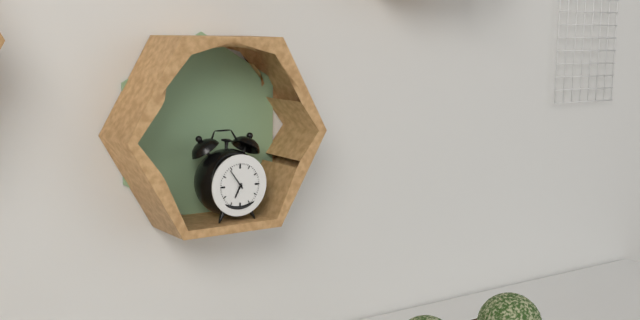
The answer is 6:54
